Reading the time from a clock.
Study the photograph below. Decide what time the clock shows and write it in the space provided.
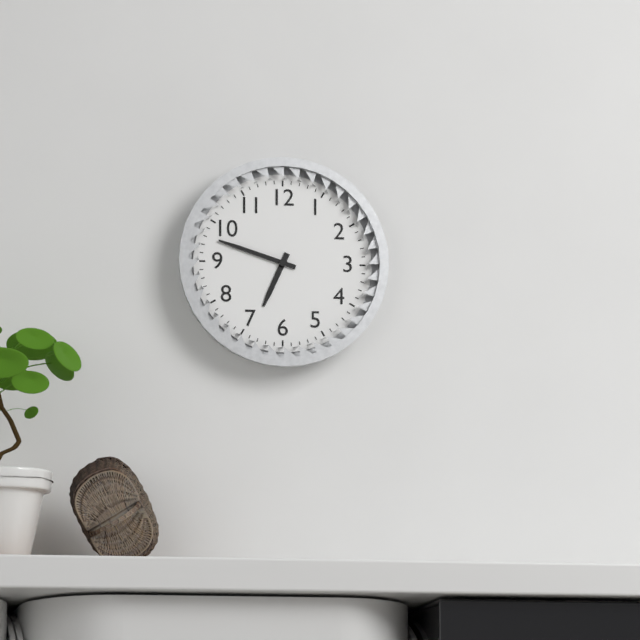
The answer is 6:48
